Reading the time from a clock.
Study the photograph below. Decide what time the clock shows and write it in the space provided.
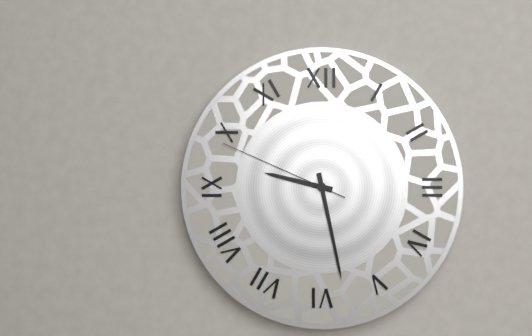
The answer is 9:28:49
